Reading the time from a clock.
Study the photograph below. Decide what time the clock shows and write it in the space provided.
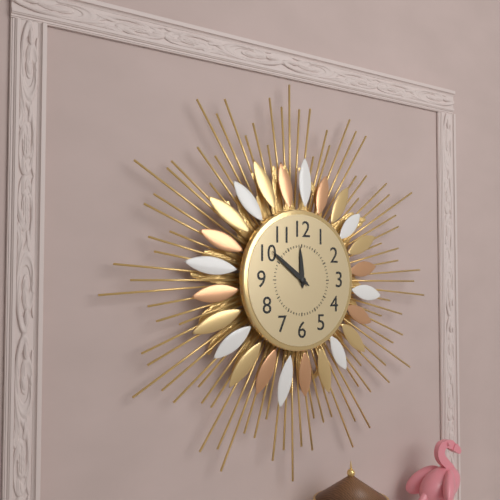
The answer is 11:51
